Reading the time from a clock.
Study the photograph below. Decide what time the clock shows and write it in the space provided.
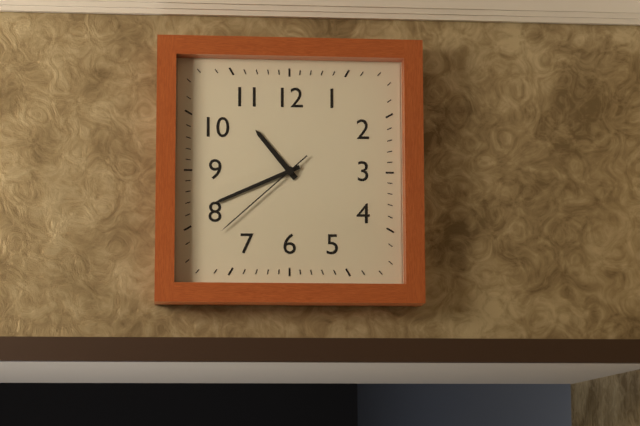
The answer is 10:41:38
